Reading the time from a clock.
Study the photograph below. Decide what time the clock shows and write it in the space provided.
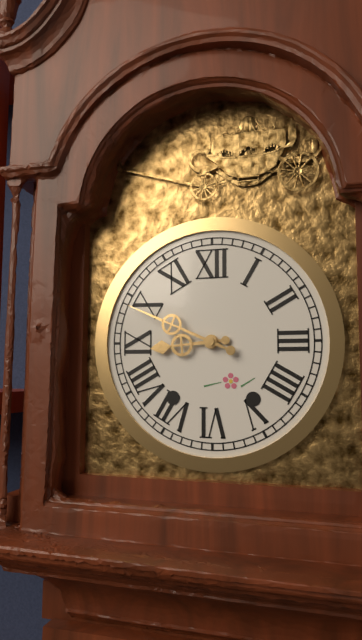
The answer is 8:49
